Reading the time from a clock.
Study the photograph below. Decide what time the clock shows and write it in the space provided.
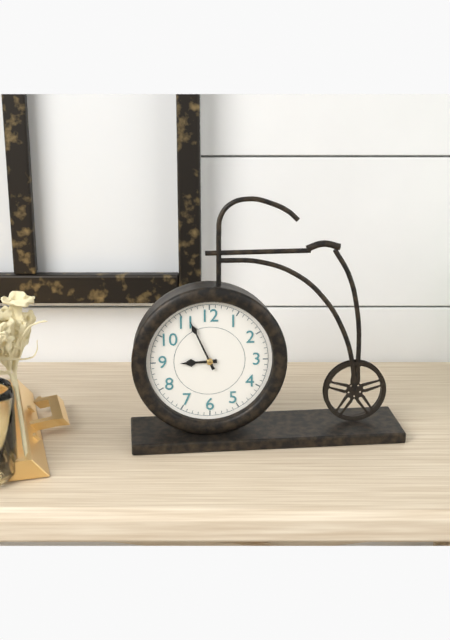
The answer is 8:56
